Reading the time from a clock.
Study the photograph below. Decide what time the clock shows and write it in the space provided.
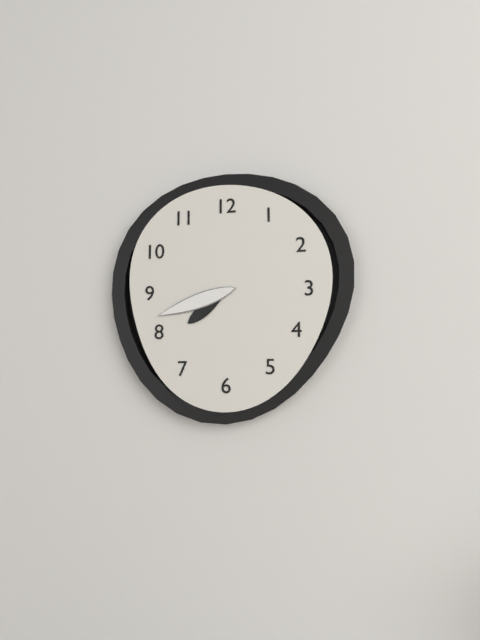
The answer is 7:42
